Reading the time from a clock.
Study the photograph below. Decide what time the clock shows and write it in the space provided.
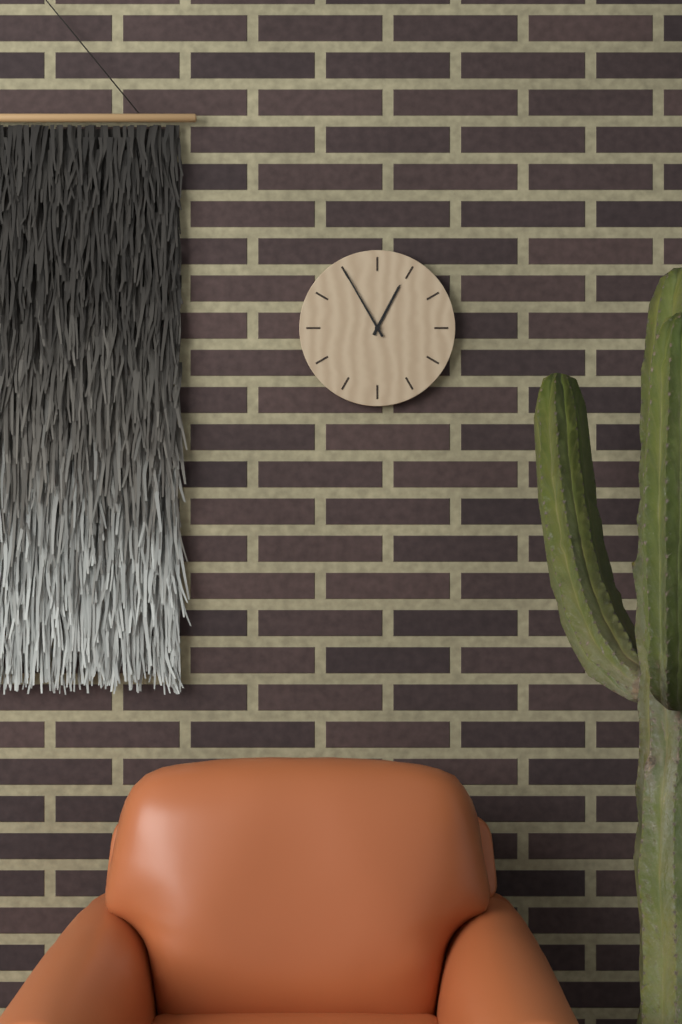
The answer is 12:55
